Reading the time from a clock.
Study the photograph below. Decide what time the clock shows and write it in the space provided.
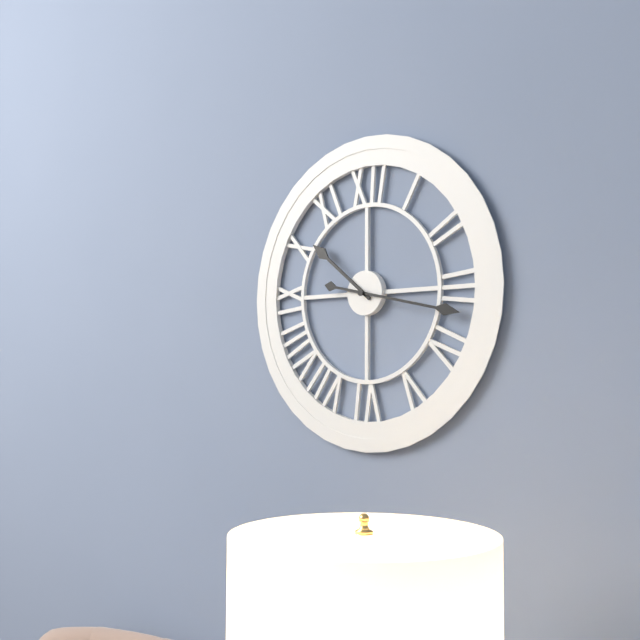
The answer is 10:17
